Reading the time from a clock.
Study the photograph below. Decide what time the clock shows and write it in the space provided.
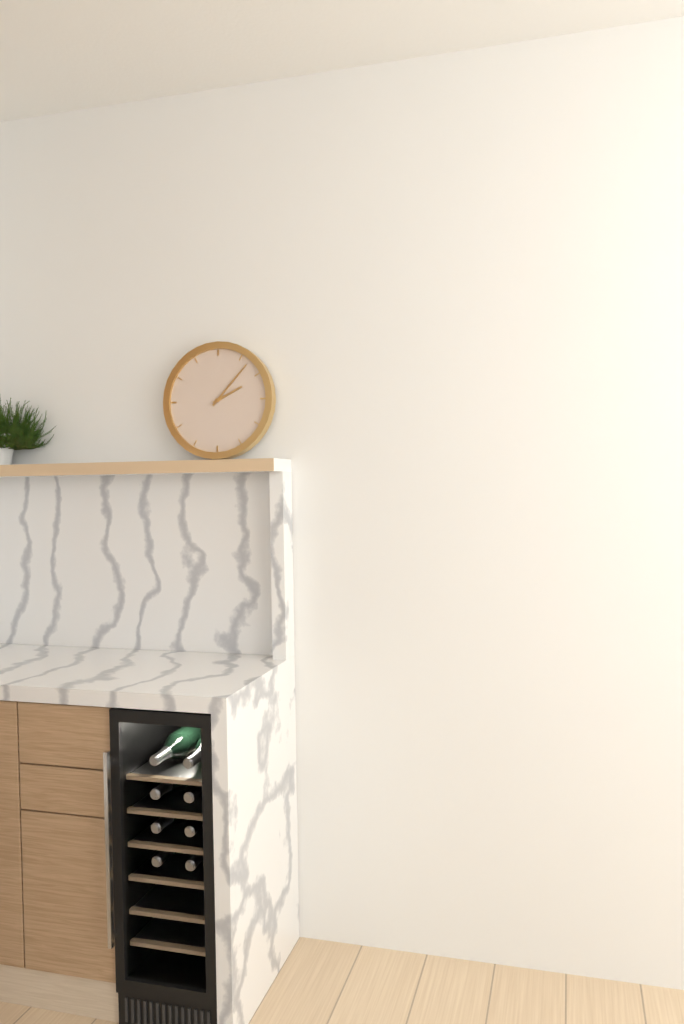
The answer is 2:07
